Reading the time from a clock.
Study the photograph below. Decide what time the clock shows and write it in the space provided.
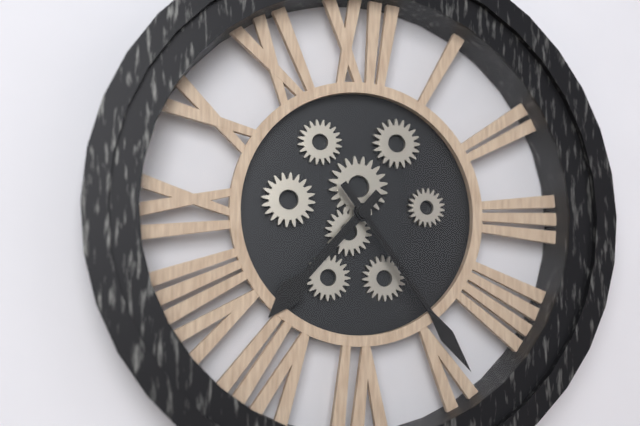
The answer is 7:24
